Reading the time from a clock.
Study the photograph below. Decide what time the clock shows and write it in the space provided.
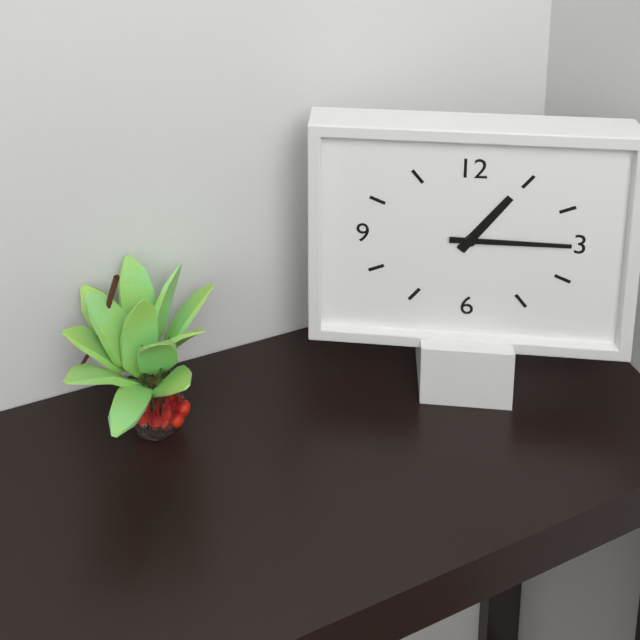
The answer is 1:15
